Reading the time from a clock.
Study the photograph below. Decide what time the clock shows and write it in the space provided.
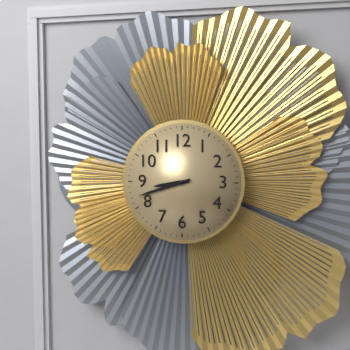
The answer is 8:42
